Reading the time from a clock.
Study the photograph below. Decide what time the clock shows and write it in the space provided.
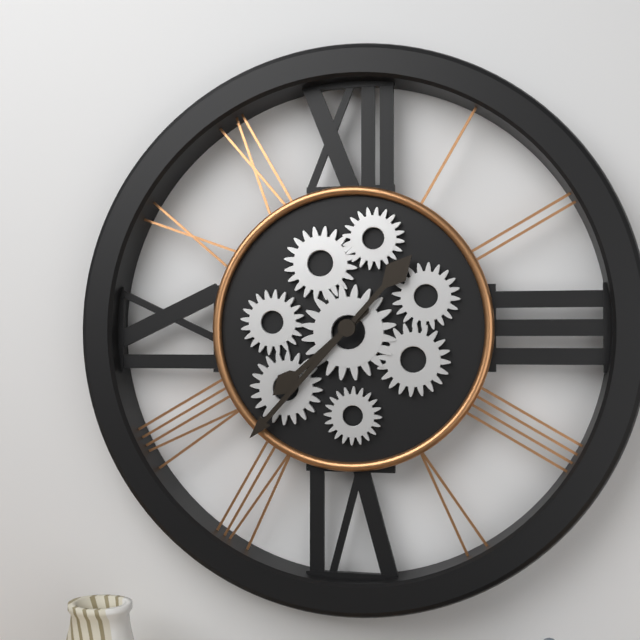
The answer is 7:37
